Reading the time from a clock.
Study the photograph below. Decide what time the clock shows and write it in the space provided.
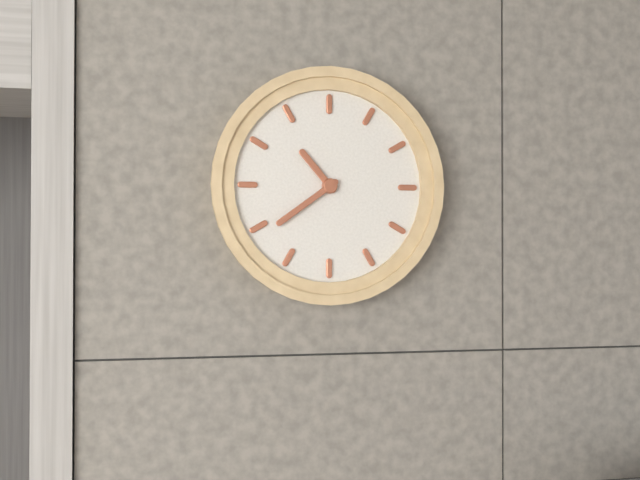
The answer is 10:39
